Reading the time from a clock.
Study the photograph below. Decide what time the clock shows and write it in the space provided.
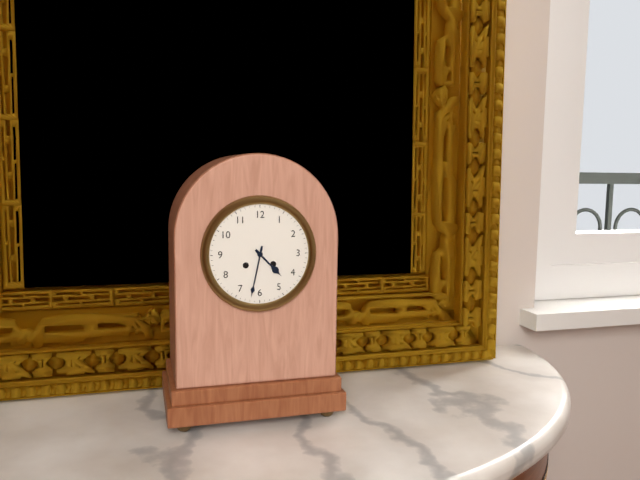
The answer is 4:32
